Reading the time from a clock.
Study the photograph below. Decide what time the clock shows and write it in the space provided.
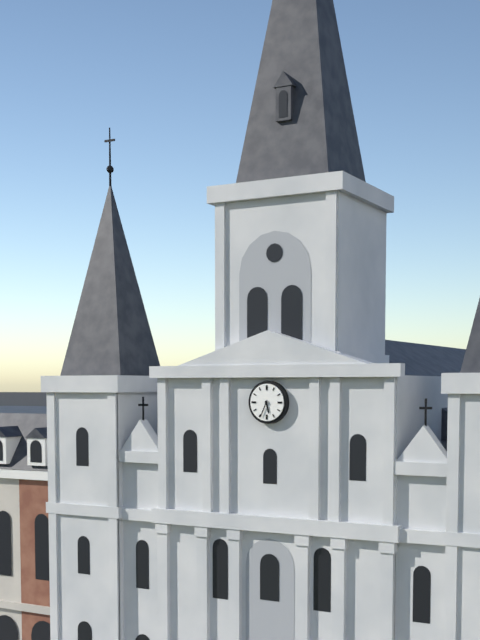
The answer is 5:34
